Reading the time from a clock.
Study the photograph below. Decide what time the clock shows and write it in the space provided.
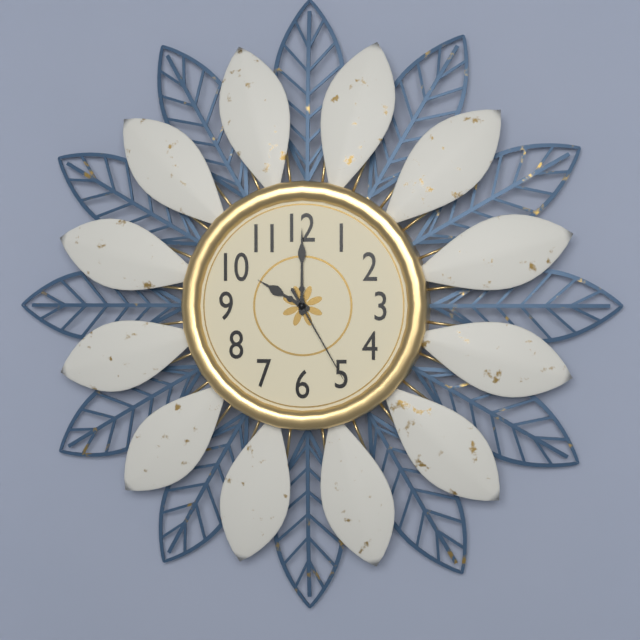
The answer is 10:00:25
